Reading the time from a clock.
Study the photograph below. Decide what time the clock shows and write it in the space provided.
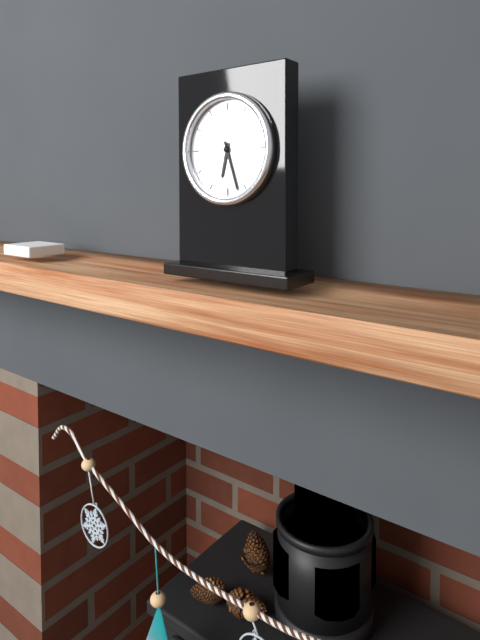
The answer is 6:27
